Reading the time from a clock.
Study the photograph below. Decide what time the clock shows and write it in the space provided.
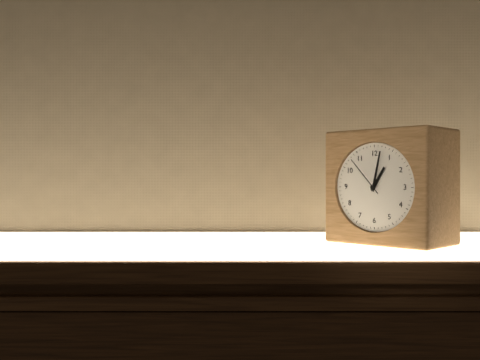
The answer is 1:02
